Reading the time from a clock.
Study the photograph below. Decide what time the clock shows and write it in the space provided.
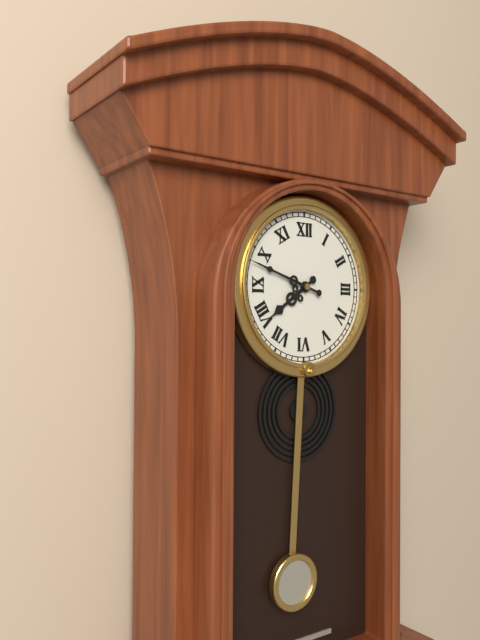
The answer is 7:48
